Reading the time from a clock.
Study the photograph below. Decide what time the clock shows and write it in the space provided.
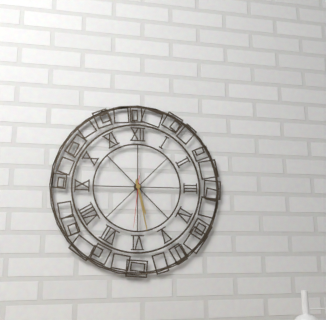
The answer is 5:28:31
